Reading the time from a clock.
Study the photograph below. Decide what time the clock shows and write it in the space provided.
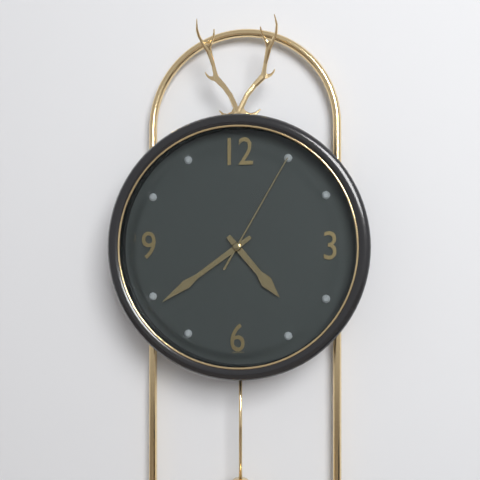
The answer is 4:39:05
